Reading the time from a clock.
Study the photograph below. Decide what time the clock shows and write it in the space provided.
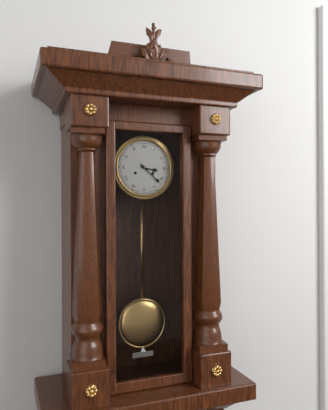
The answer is 3:22
